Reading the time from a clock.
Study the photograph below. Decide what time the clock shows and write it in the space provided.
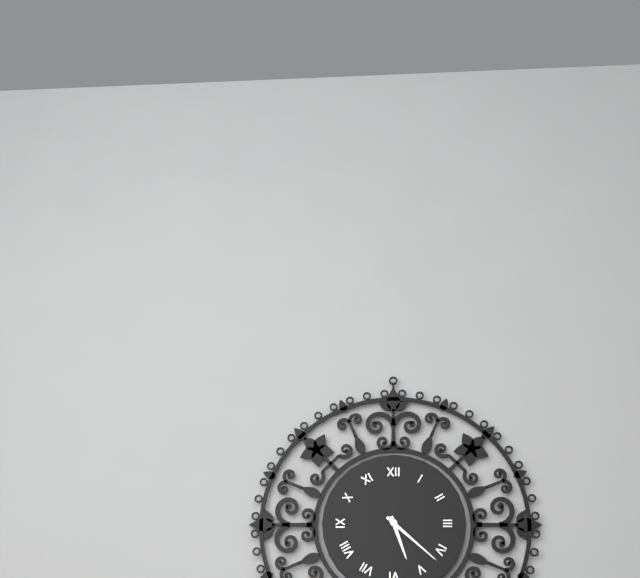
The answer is 5:22
